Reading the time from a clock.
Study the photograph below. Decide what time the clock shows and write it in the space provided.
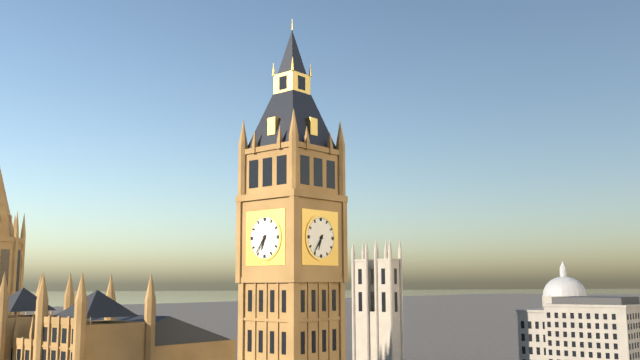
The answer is 6:36
